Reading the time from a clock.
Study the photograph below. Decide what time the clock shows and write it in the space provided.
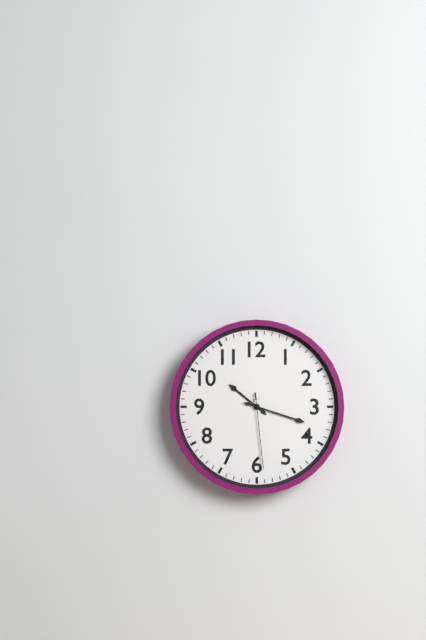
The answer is 10:18:29
